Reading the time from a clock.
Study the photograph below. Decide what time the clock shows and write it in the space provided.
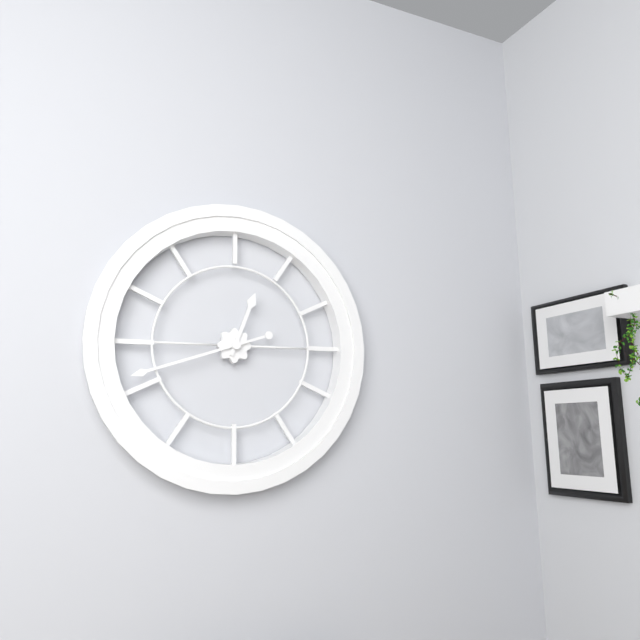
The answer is 12:42
